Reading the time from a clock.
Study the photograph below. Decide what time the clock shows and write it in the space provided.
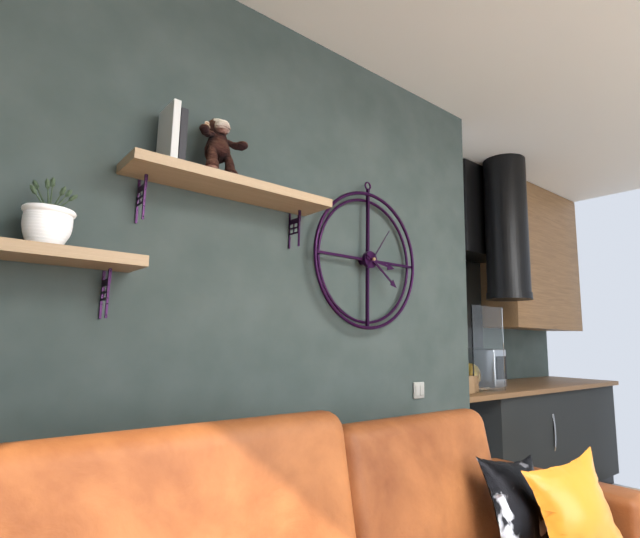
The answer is 3:21
